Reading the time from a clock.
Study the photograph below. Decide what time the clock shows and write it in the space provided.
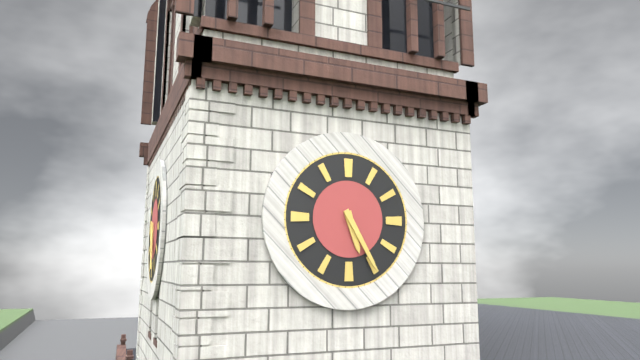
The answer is 5:25
